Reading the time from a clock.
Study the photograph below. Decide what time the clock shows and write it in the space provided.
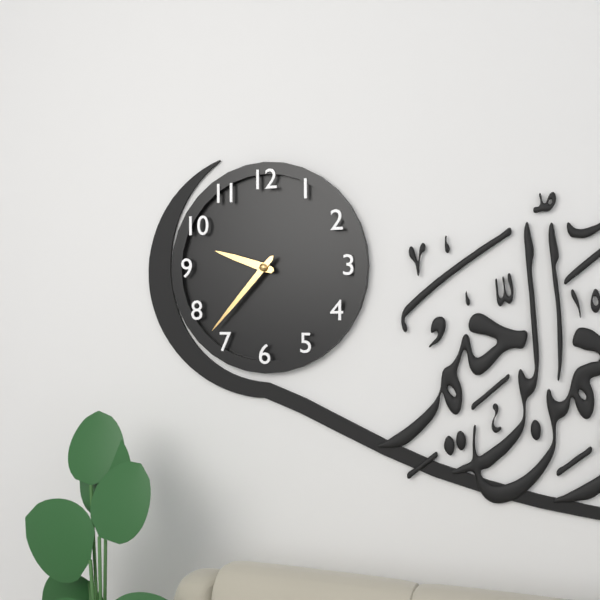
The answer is 9:37
